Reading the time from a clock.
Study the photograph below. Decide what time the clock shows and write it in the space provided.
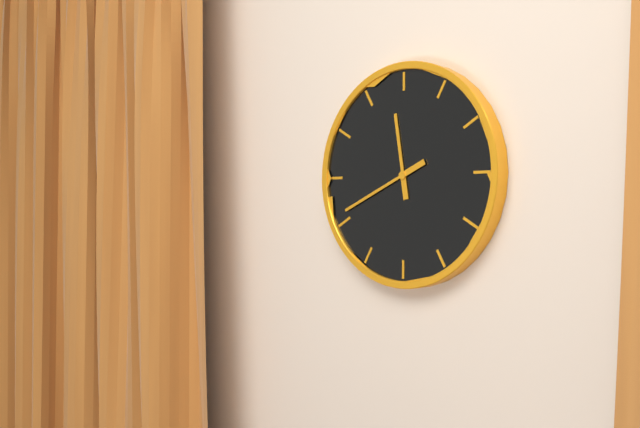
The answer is 11:41
